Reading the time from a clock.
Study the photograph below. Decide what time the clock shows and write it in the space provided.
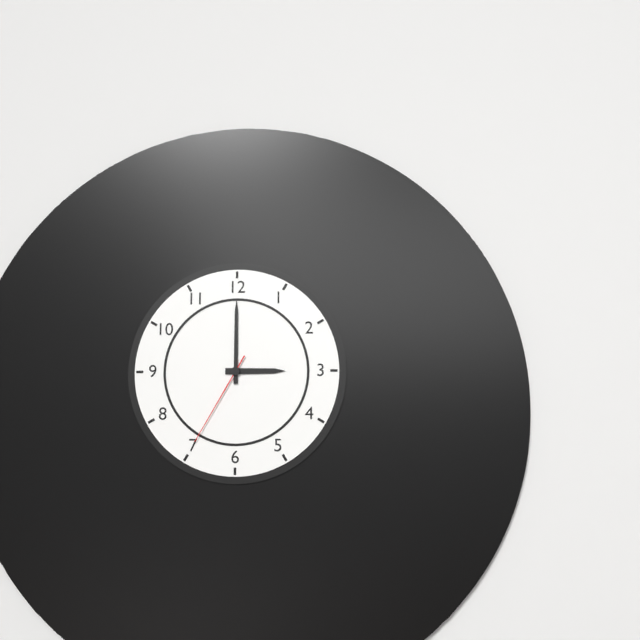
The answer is 3:00:35
